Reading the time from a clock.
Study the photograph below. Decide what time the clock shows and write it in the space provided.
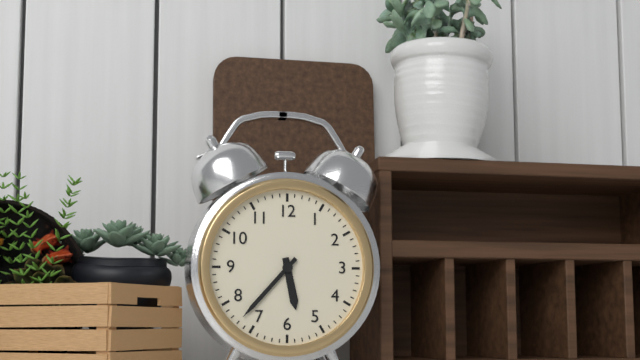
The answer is 5:37
